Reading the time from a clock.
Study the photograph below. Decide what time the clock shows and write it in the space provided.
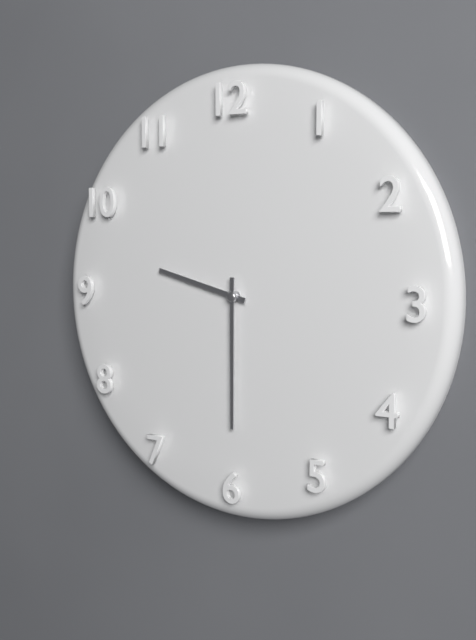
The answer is 9:30
